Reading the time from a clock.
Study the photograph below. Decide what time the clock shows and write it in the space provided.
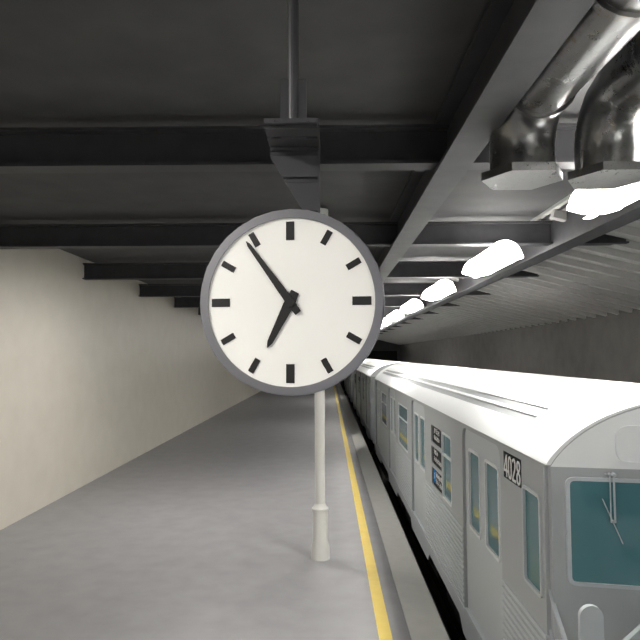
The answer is 6:54
